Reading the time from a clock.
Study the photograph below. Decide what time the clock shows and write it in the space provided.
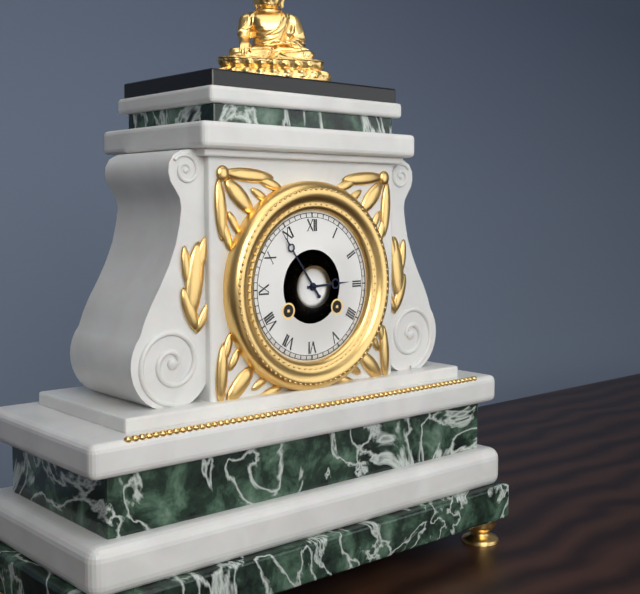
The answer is 2:54
